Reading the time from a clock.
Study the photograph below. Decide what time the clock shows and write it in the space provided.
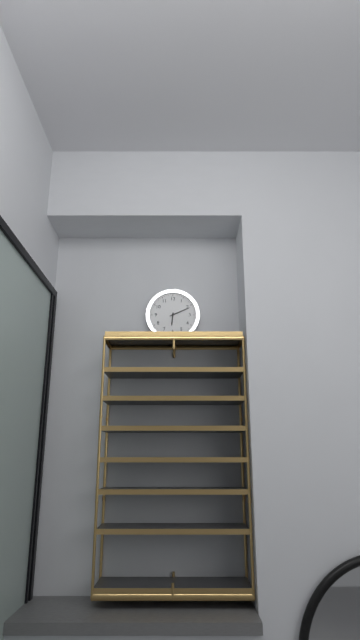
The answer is 6:11
